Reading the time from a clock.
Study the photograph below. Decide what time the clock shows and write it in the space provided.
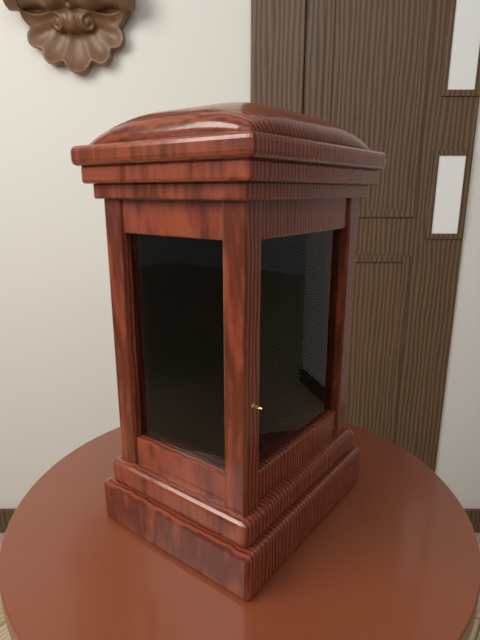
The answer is 7:56
